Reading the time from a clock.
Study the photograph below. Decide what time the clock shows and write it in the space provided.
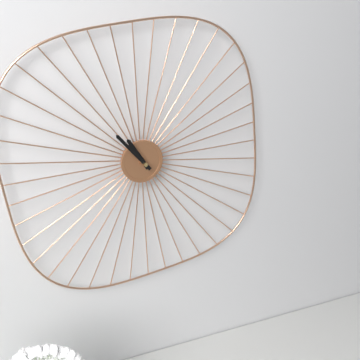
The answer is 10:53
